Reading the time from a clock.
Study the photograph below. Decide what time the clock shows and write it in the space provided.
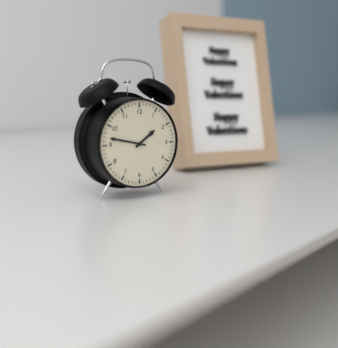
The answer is 1:47
